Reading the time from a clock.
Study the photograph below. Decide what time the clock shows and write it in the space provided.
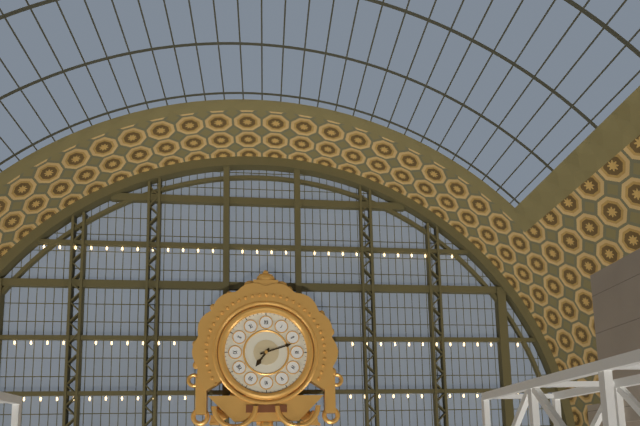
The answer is 7:12
